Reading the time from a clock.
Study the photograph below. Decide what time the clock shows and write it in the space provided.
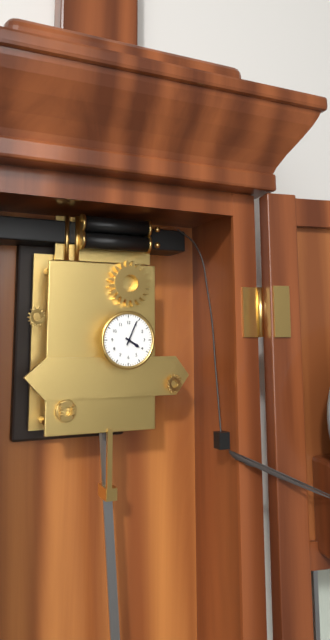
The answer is 4:04
